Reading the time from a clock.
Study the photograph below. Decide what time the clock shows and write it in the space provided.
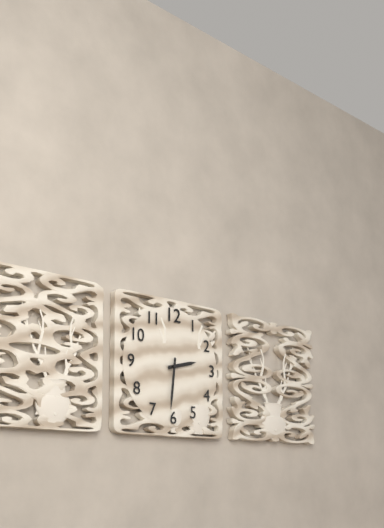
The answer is 2:31
